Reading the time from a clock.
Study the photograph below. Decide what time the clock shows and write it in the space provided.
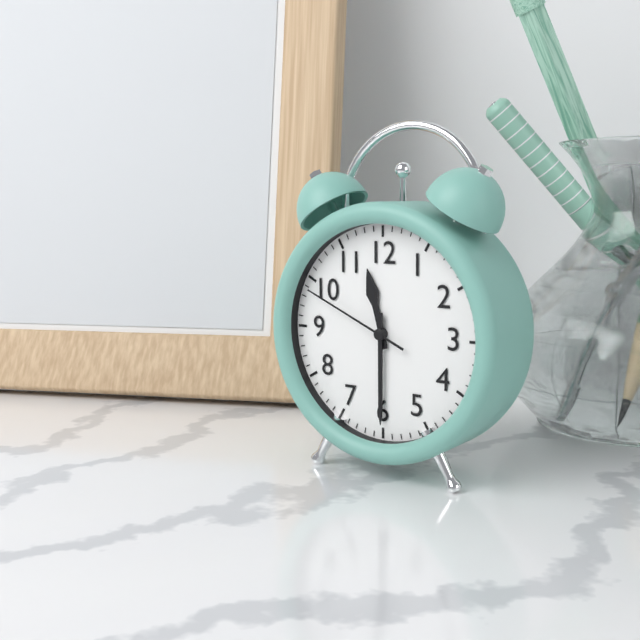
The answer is 11:30:49
